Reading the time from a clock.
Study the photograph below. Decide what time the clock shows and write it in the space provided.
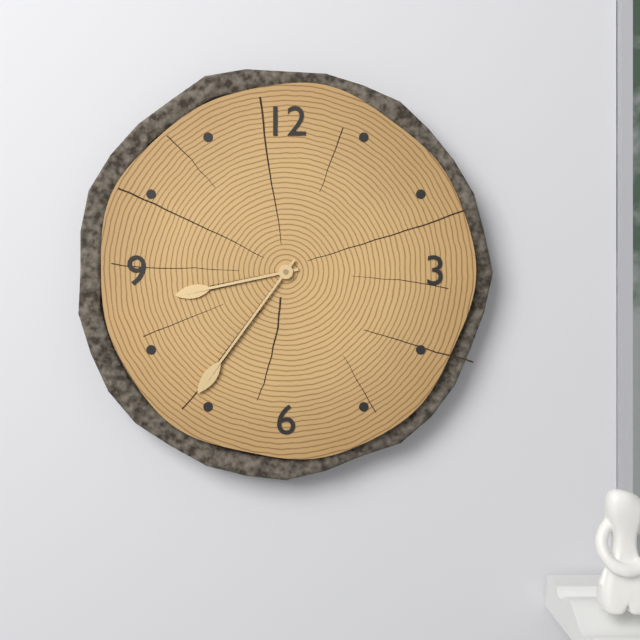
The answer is 8:36
